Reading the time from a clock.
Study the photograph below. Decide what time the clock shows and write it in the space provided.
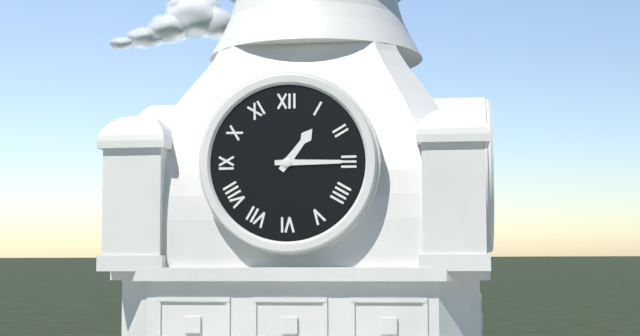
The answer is 1:15
